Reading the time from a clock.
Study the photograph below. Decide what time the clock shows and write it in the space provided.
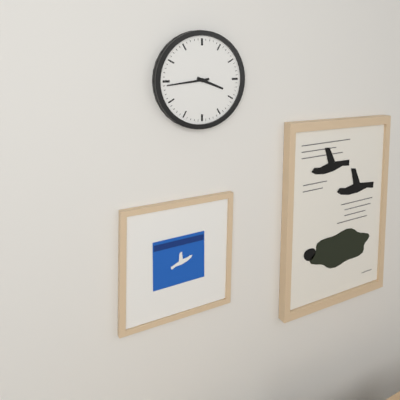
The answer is 3:44
